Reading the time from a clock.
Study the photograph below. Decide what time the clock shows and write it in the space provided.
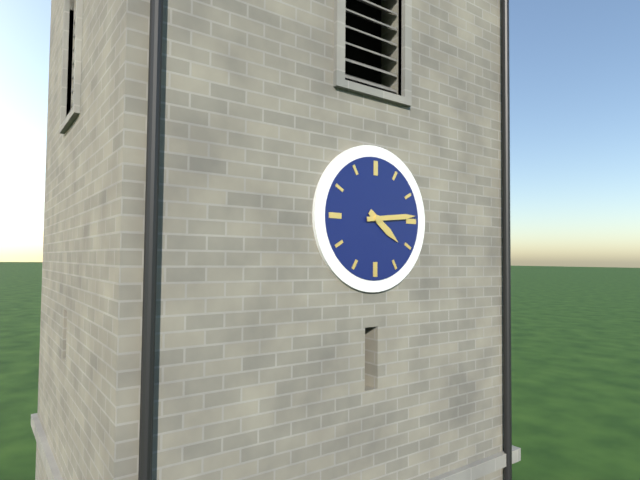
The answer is 4:14
